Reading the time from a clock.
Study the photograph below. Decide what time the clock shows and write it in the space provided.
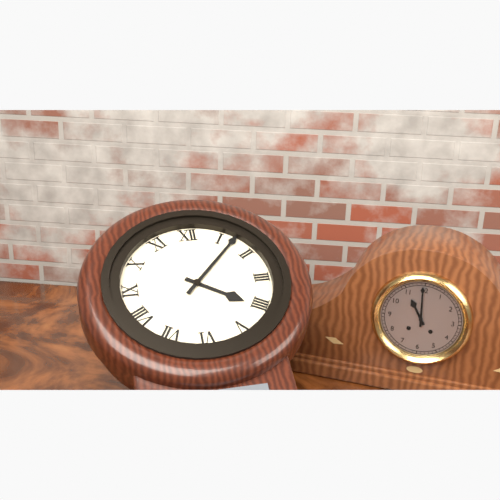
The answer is 4:07
